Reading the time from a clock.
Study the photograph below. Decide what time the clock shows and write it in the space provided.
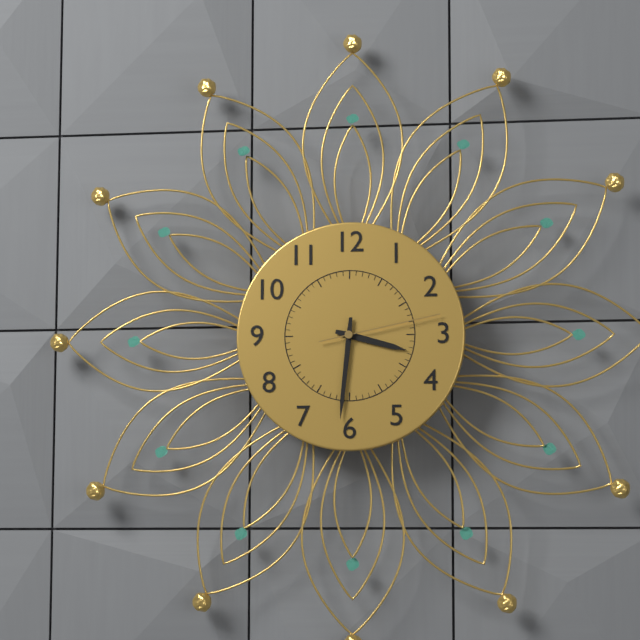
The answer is 3:31:13
